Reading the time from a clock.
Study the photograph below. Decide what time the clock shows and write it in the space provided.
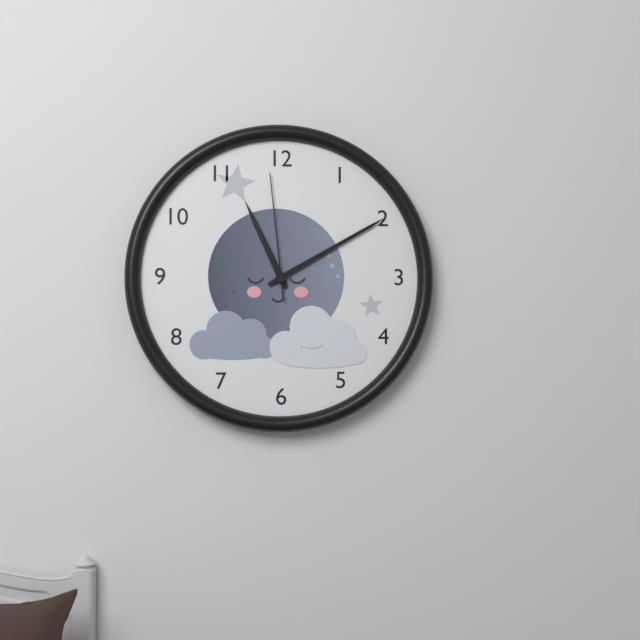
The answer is 11:10:59
